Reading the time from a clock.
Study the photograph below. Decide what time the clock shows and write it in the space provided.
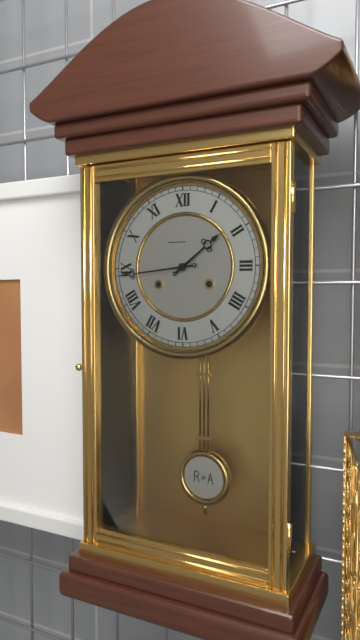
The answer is 1:44
